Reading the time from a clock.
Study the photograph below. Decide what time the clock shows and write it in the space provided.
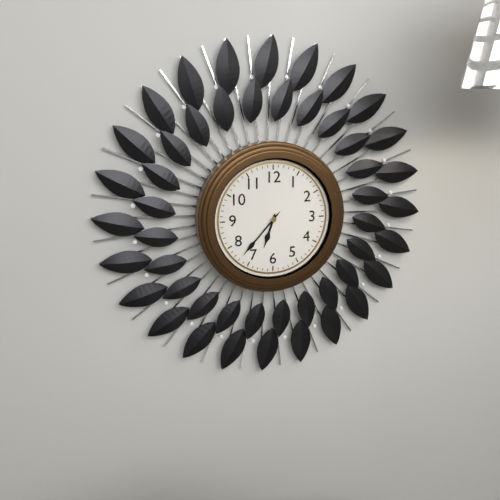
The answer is 6:37
